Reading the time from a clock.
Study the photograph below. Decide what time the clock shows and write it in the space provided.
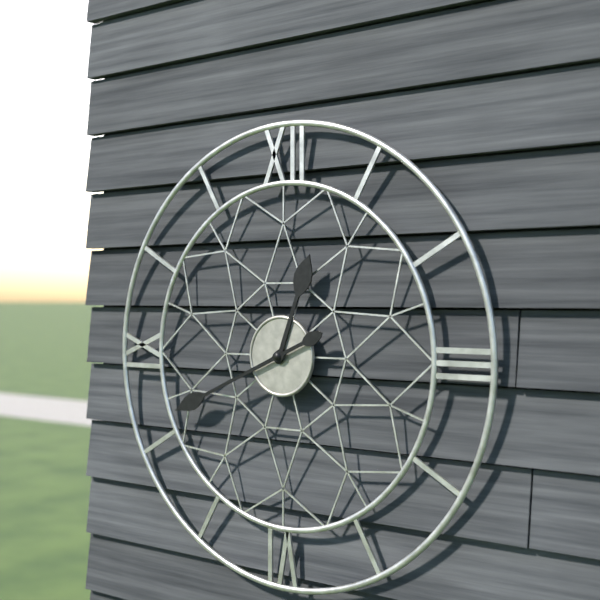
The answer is 12:41
